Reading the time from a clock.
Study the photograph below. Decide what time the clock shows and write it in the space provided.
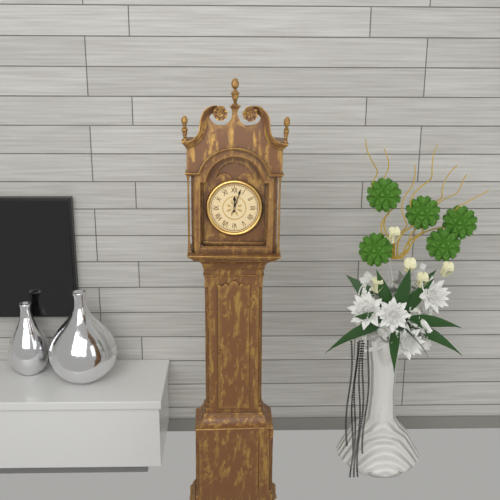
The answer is 12:03
